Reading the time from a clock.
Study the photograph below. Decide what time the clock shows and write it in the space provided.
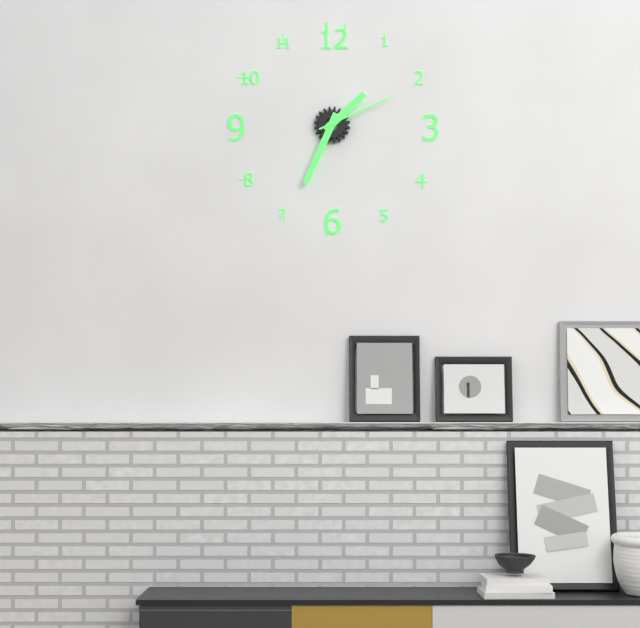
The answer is 1:34:11
